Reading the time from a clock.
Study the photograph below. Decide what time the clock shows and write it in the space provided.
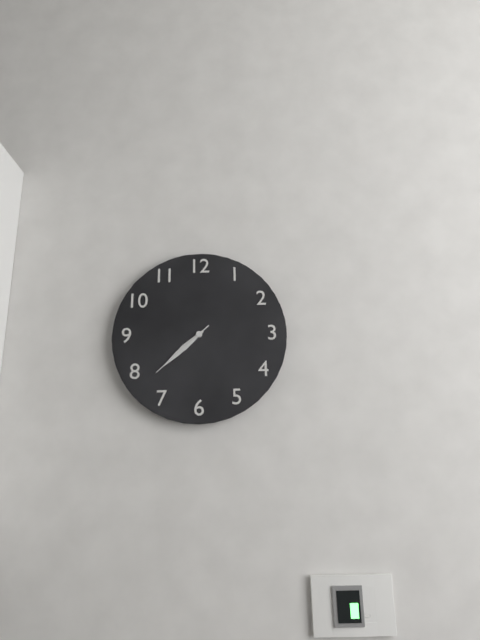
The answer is 7:38:38
